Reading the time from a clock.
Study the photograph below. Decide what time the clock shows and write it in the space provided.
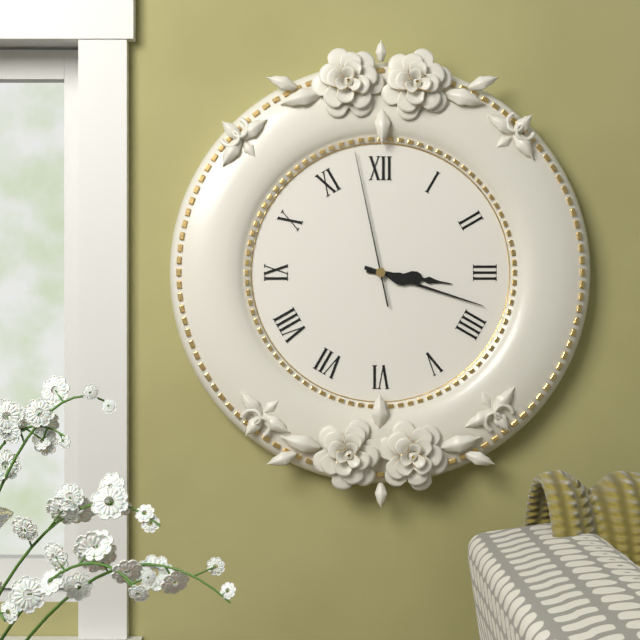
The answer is 3:18:58
